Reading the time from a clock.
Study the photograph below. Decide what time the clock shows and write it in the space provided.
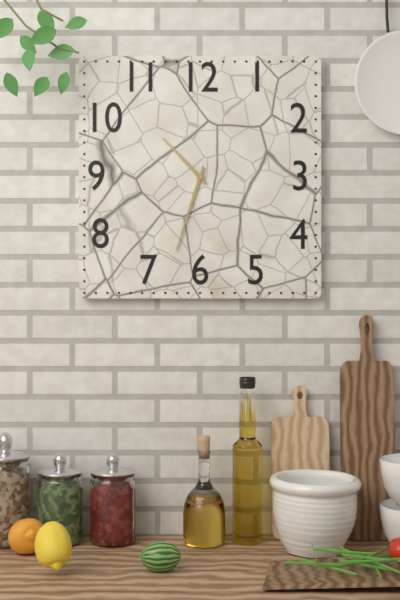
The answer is 10:33
